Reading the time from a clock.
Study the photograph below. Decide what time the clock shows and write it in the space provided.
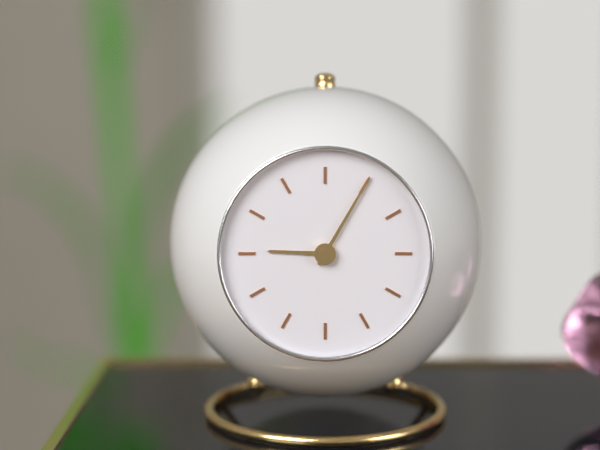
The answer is 9:05
